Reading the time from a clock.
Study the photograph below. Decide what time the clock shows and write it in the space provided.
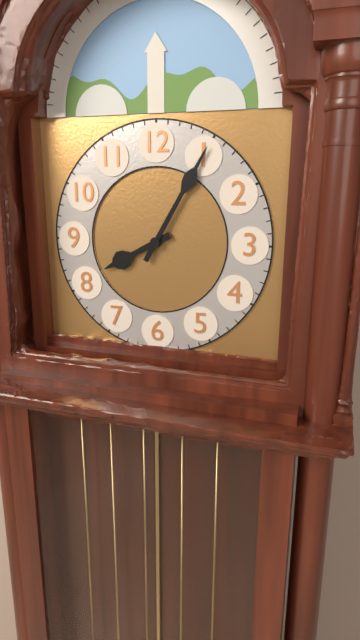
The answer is 8:05
